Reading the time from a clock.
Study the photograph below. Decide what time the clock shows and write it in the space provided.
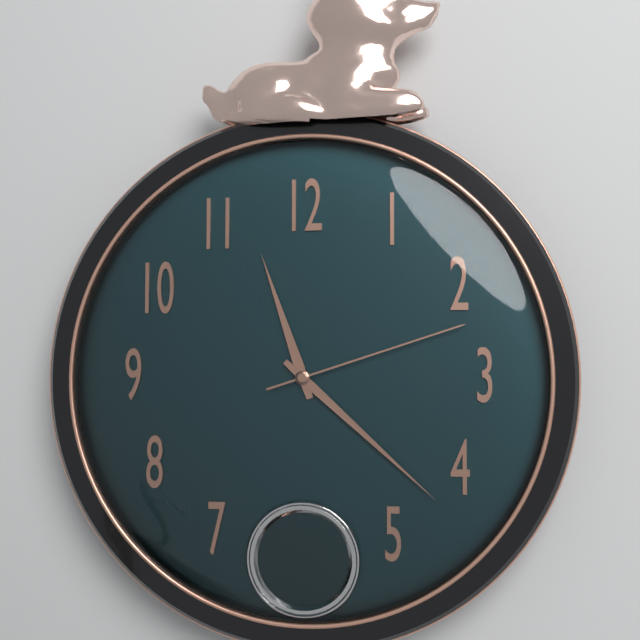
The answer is 11:22:12
